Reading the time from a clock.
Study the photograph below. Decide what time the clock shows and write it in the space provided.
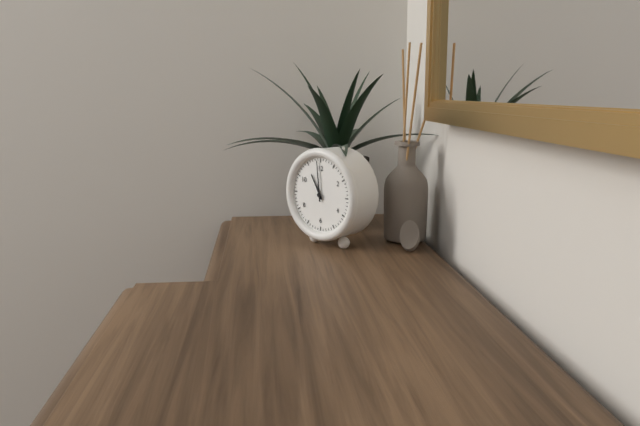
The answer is 10:59
